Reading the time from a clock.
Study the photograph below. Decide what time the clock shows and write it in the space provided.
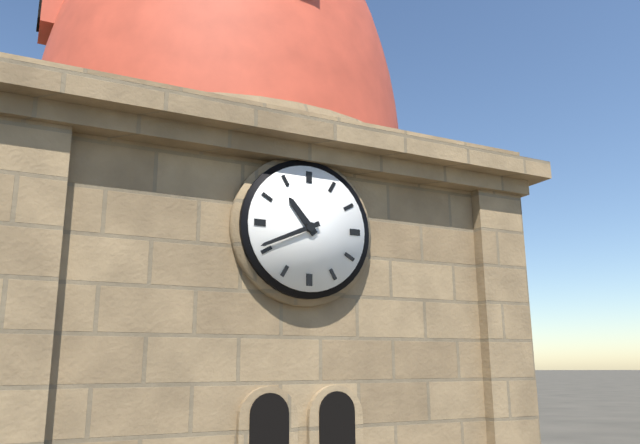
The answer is 10:41
